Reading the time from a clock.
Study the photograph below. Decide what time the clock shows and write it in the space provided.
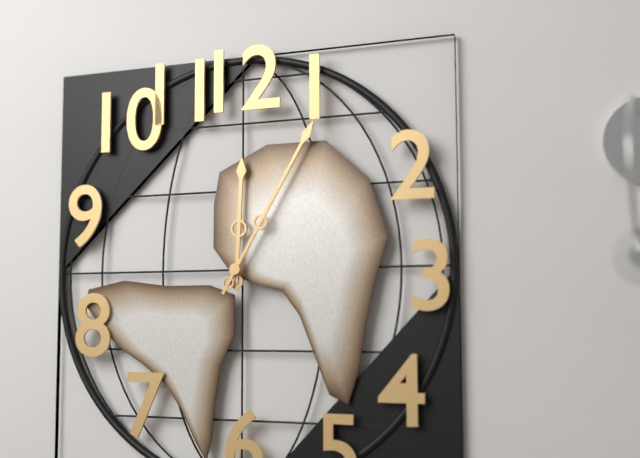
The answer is 12:05
